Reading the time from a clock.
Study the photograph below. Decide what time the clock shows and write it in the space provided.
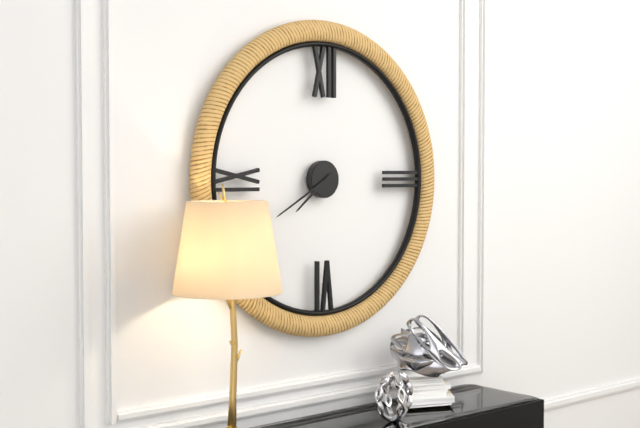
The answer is 7:40
